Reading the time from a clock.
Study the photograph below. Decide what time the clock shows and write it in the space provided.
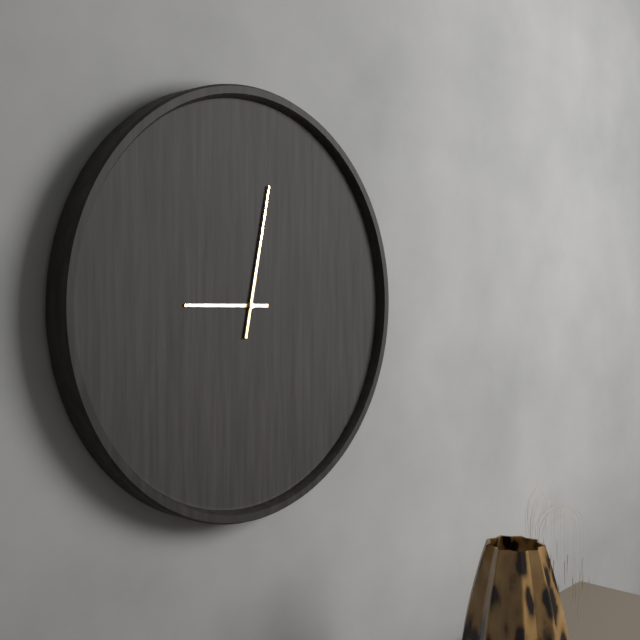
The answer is 9:02
